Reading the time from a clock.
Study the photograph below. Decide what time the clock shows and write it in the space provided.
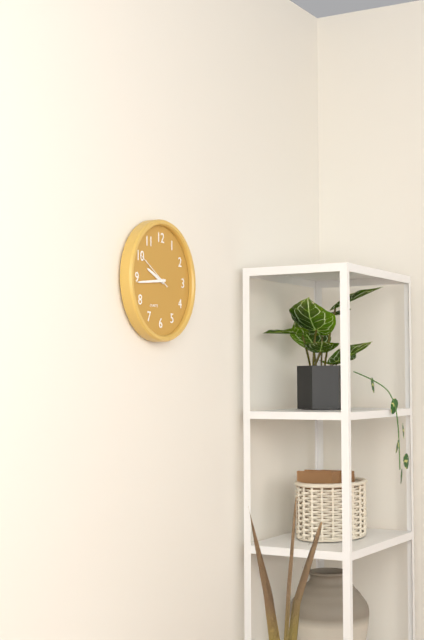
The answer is 9:44
